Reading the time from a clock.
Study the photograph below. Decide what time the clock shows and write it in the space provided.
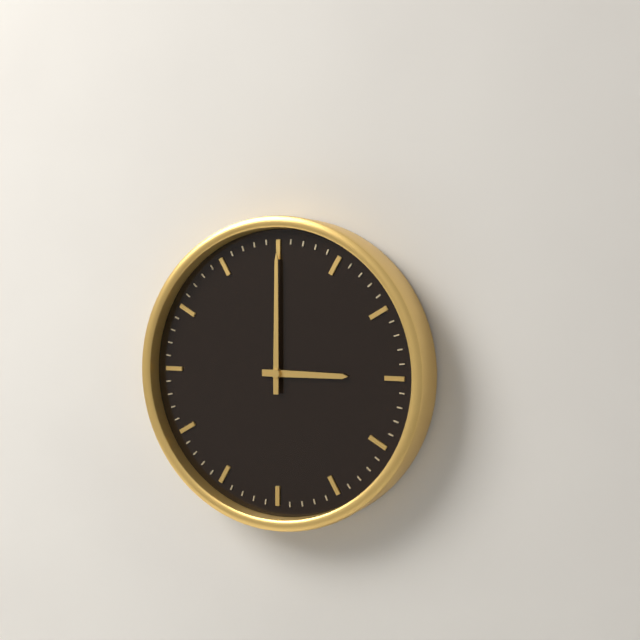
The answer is 3:00
